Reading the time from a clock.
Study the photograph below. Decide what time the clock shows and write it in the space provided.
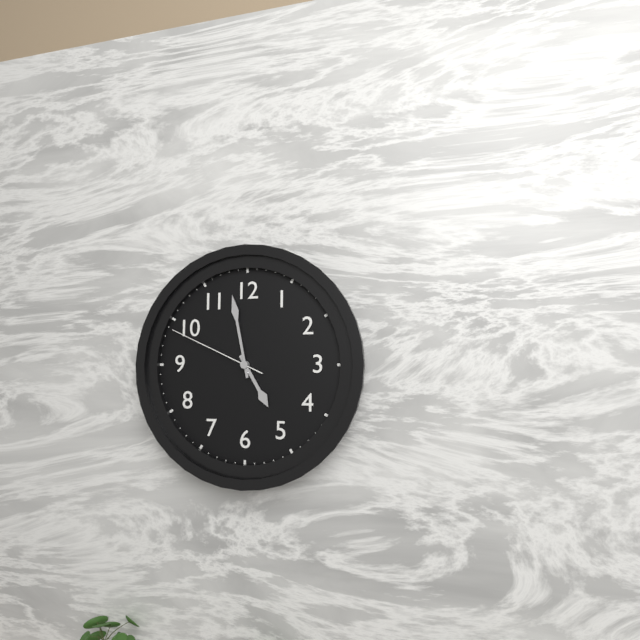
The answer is 4:58:49
